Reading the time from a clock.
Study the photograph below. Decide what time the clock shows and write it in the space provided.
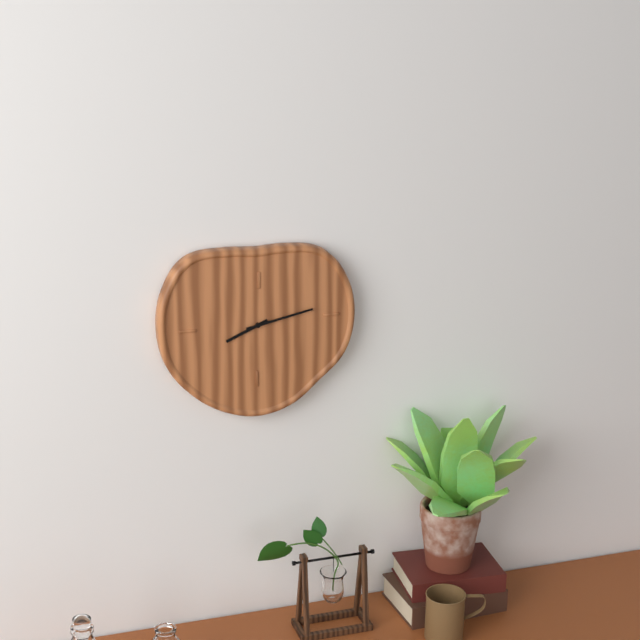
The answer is 8:13
